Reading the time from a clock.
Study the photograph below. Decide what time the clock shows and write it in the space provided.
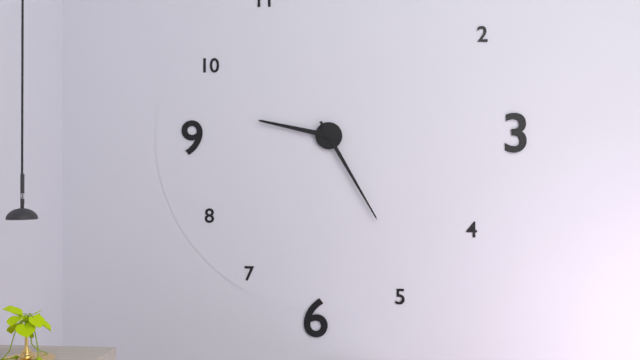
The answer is 9:25
